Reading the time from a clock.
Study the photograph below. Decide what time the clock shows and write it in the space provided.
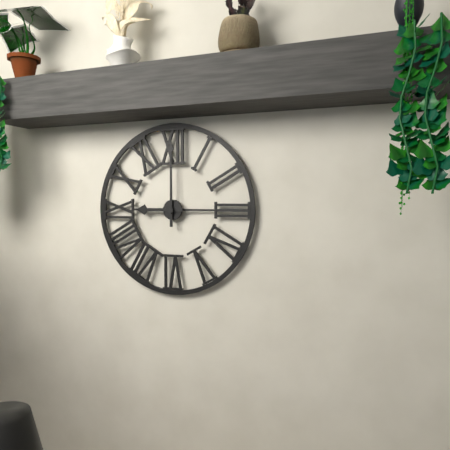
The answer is 9:00
